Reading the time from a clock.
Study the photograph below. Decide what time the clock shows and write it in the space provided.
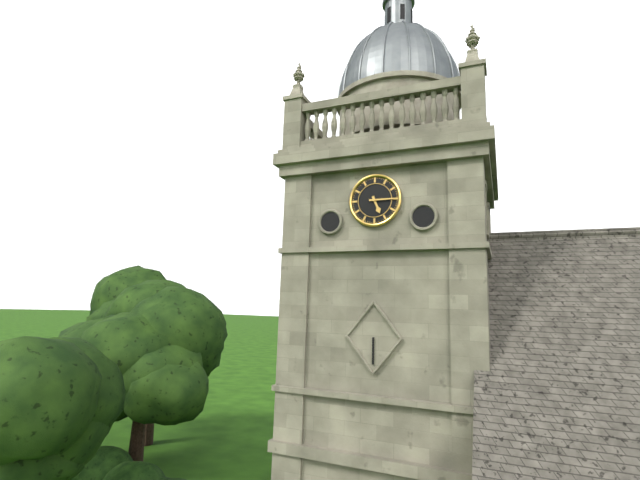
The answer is 5:15
